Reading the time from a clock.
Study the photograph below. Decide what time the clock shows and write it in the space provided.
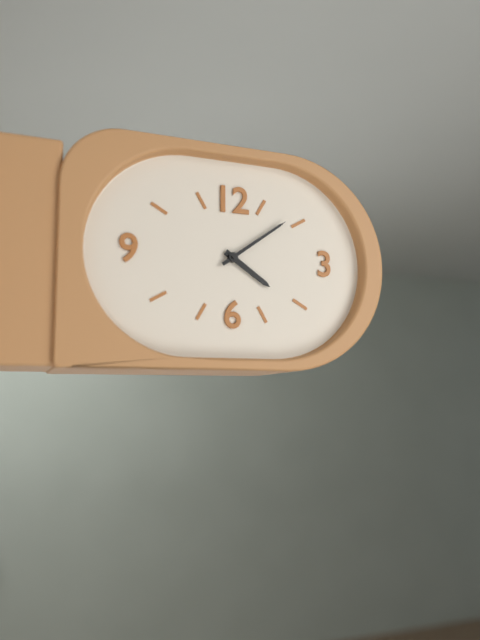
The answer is 4:09
